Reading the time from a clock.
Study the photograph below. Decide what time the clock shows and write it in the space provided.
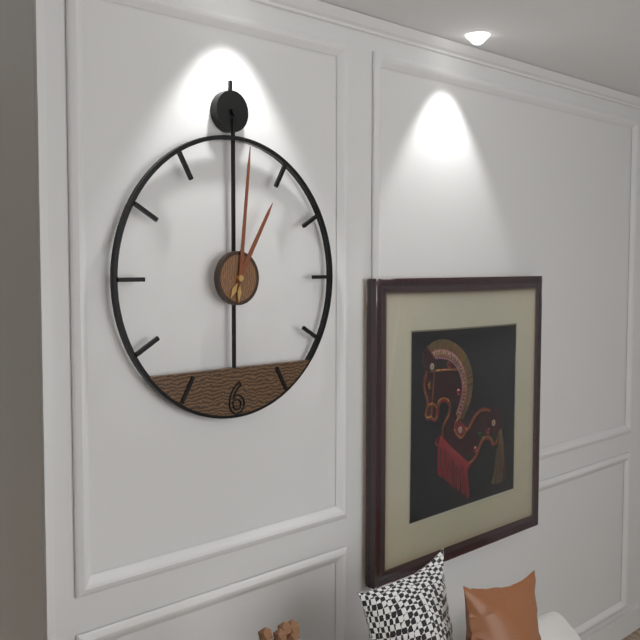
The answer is 1:01
